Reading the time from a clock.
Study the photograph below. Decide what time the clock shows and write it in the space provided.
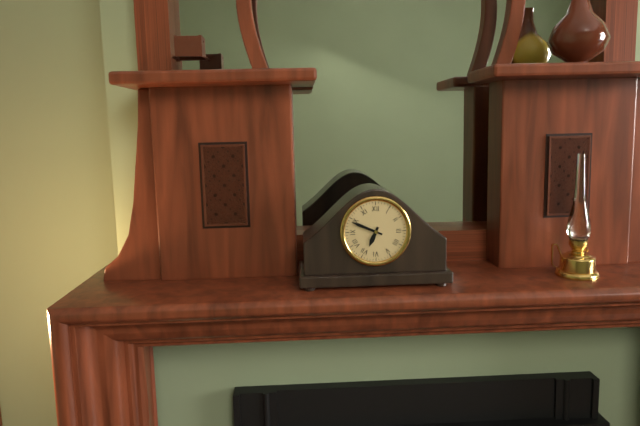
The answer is 6:49
